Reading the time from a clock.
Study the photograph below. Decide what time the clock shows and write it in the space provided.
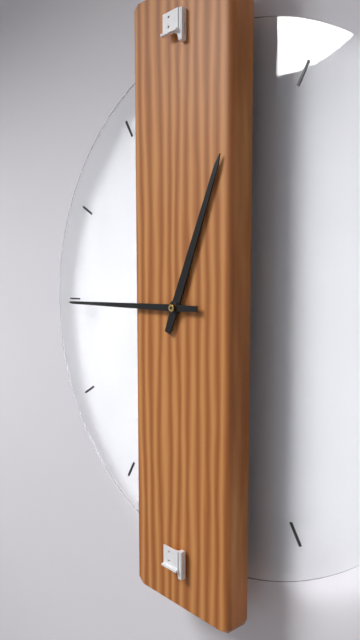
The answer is 12:45
